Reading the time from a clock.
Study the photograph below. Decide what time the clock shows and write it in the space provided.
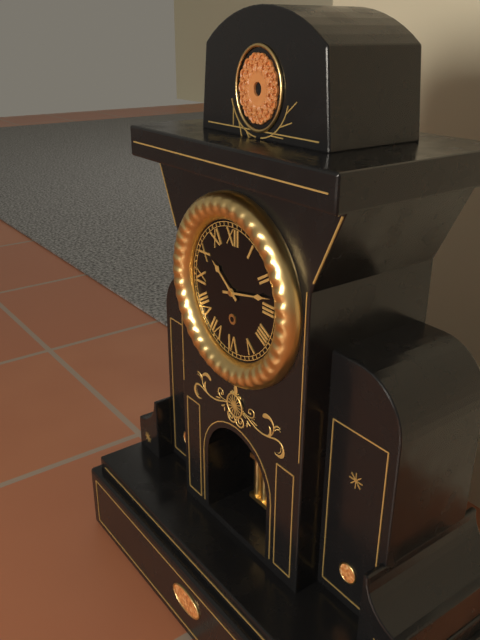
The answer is 10:13
